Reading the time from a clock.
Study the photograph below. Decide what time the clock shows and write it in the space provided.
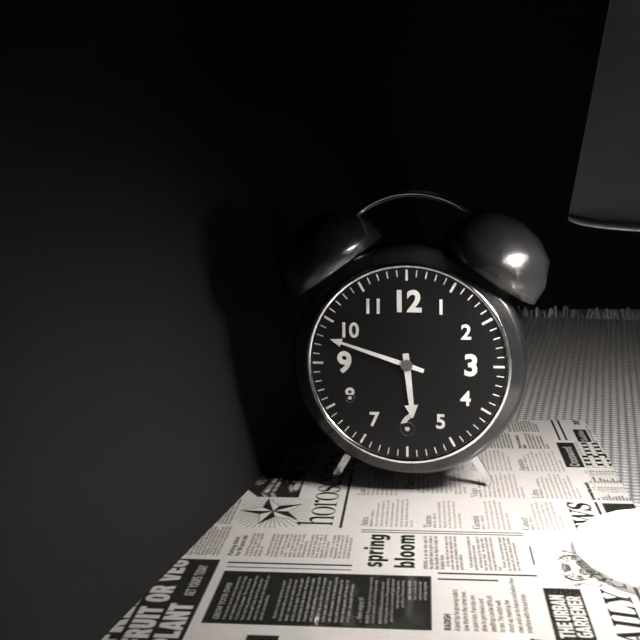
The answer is 5:48
